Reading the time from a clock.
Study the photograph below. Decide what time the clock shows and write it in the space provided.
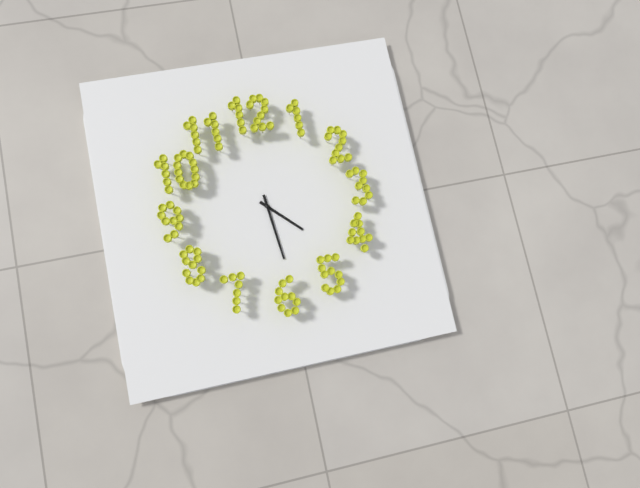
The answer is 4:29
